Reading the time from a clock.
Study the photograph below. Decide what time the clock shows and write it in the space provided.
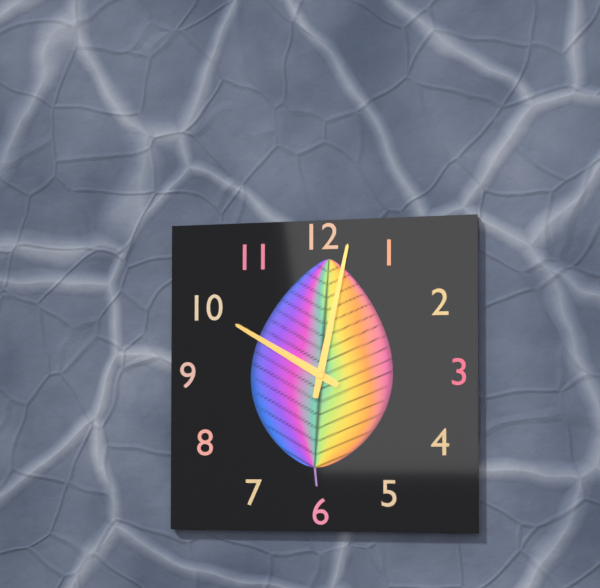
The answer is 10:02
